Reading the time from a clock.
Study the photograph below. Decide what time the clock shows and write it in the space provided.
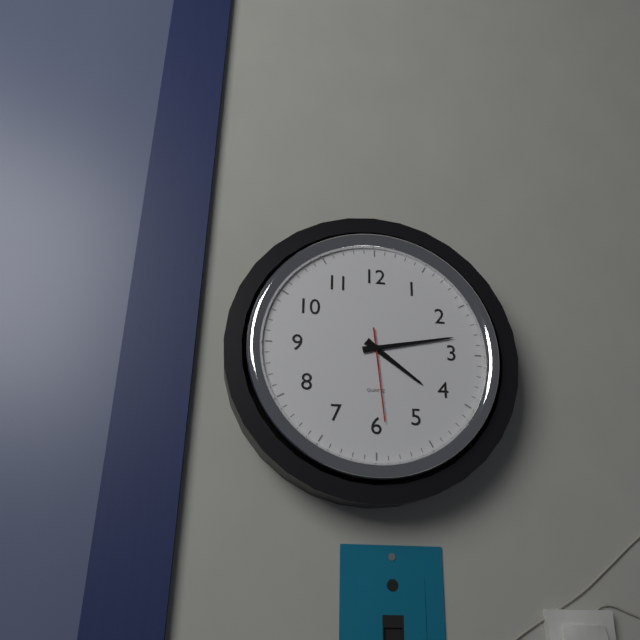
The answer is 4:13:29
